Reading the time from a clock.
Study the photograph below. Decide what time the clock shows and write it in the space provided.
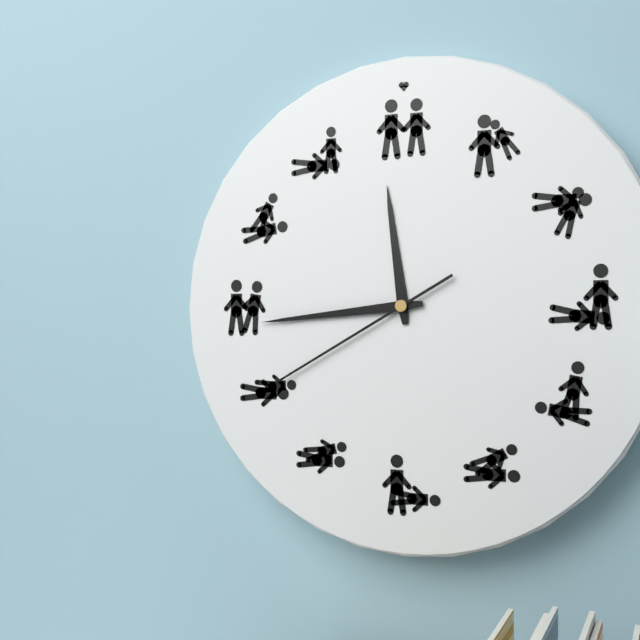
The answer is 11:44:40
